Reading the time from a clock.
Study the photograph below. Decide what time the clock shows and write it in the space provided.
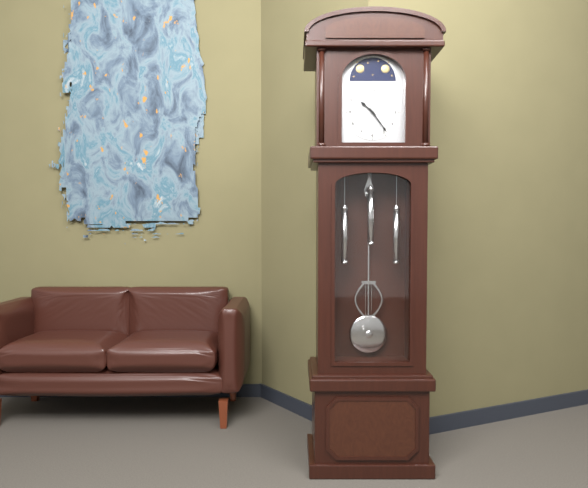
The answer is 10:24
